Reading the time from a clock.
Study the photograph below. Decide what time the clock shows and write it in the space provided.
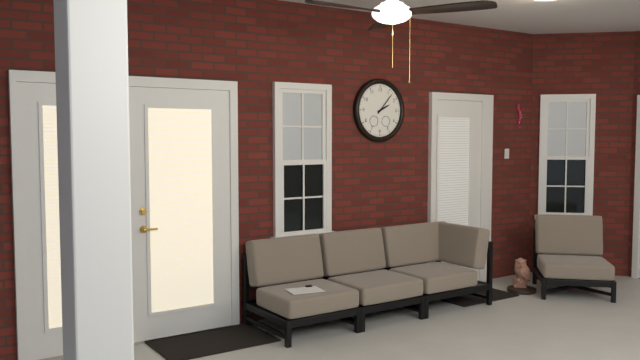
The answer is 2:07
